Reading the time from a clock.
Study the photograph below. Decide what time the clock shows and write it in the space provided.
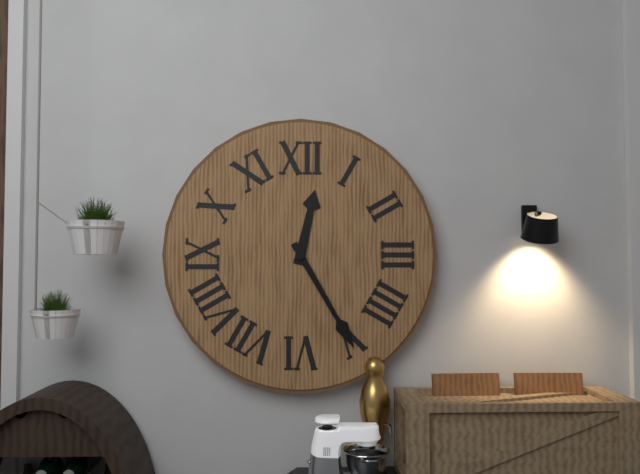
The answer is 12:25
